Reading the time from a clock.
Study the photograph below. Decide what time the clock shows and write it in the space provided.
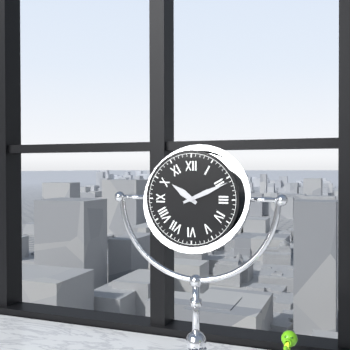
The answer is 10:11
